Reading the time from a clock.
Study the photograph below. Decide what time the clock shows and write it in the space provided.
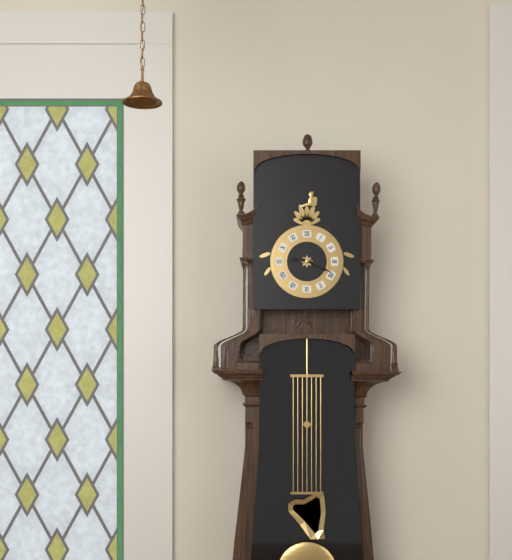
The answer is 9:19
